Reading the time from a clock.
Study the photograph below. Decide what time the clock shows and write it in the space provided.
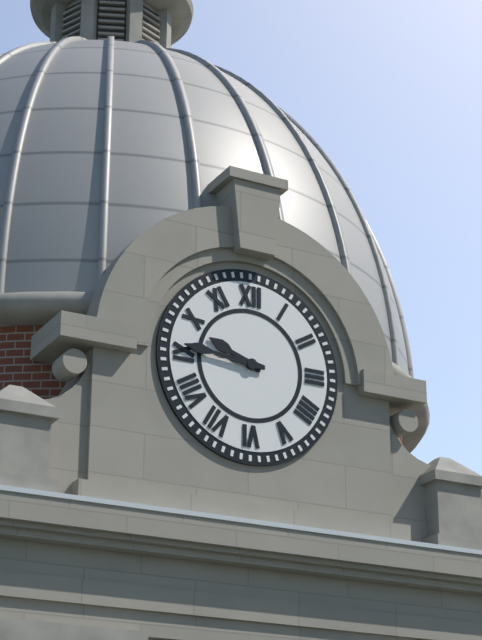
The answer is 9:46
